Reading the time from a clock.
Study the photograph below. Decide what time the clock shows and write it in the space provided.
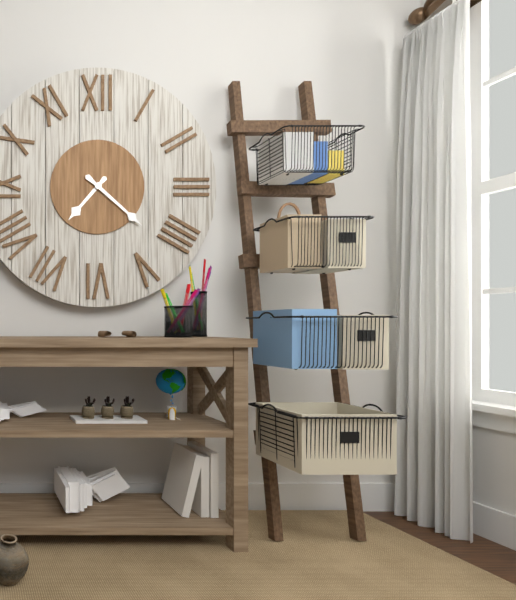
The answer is 7:22
